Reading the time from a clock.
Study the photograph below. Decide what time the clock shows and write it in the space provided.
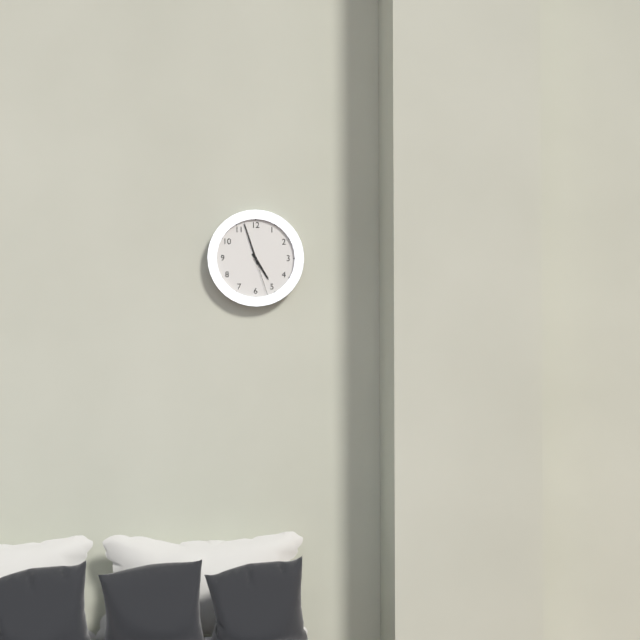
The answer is 4:57
